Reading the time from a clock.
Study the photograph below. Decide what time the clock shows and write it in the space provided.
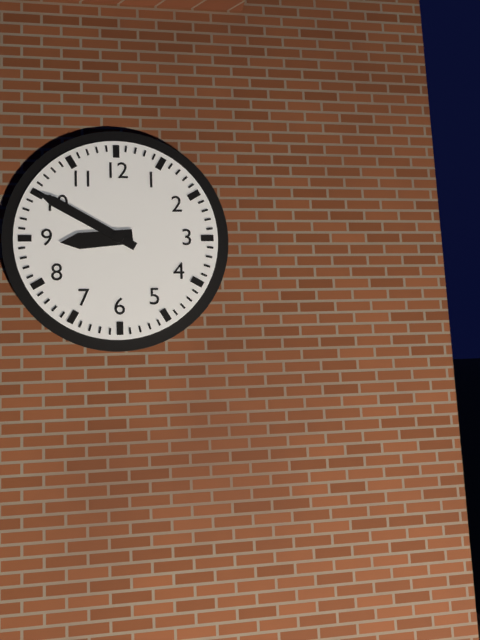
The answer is 8:50
